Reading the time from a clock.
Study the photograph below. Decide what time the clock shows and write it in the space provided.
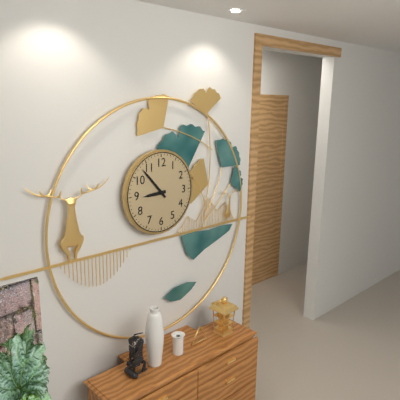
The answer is 8:53
